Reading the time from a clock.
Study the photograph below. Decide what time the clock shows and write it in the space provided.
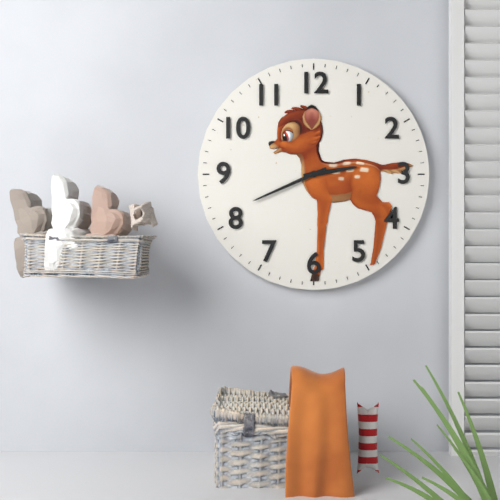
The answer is 2:41
